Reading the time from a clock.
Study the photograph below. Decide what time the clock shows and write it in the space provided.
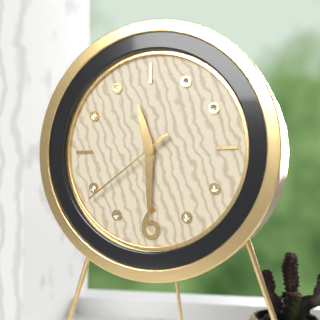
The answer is 11:30:39
